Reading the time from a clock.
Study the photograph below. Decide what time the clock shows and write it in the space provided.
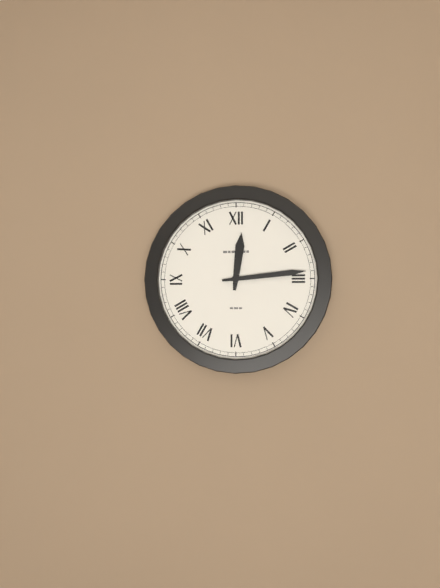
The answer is 12:14
